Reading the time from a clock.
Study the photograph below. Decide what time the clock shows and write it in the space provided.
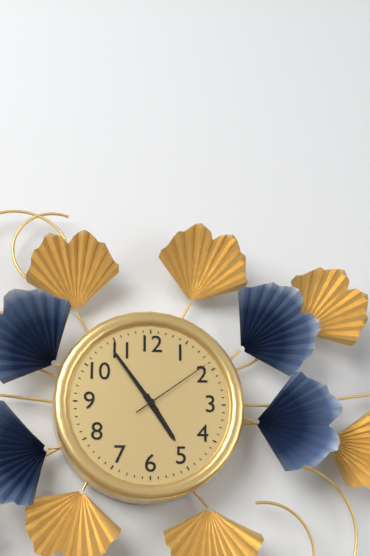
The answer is 4:54:09
